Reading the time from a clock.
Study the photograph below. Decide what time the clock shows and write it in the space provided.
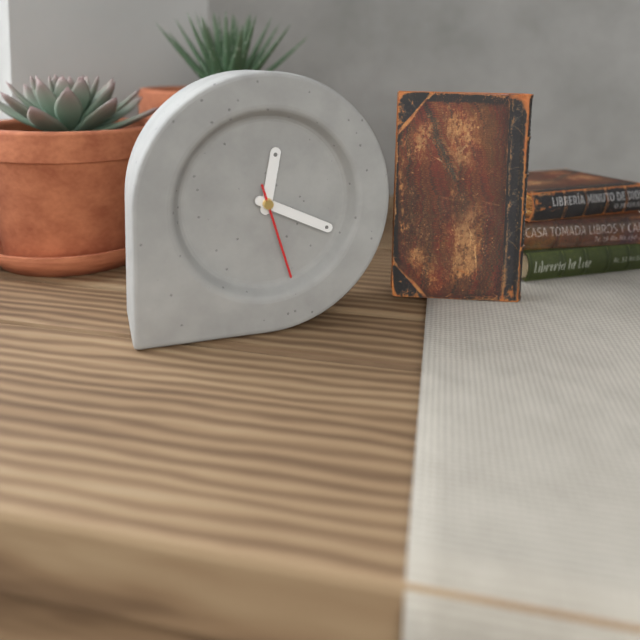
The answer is 12:19:27
